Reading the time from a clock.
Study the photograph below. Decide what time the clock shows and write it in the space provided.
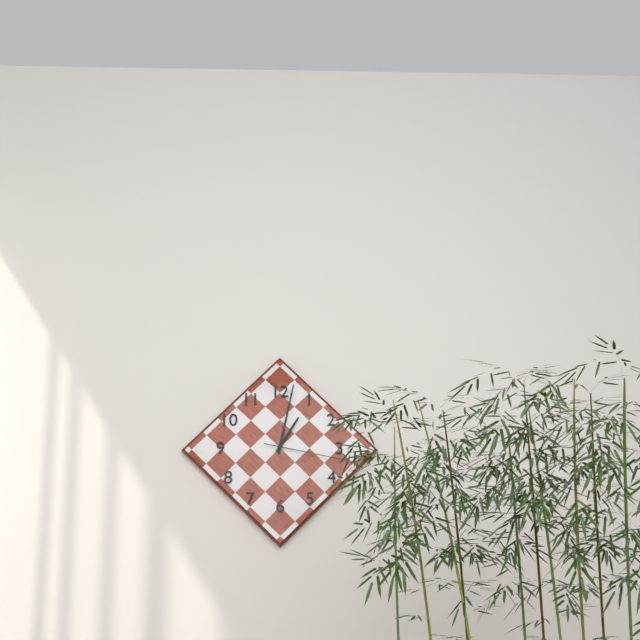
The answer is 1:02:17
